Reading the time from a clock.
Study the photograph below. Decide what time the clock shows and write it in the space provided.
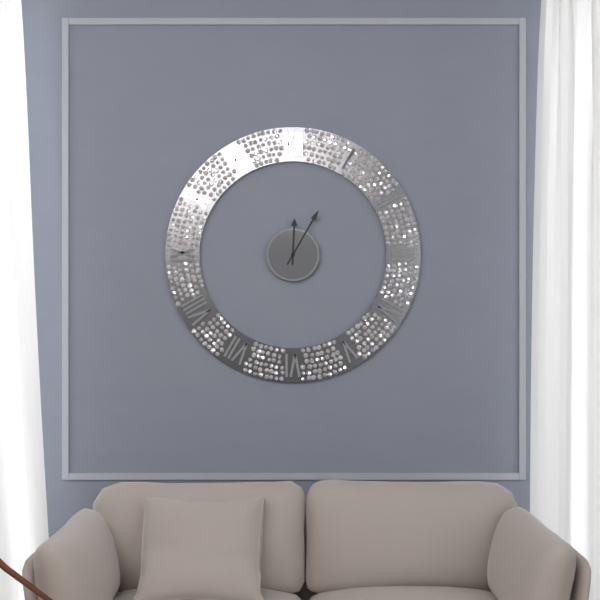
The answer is 12:05
